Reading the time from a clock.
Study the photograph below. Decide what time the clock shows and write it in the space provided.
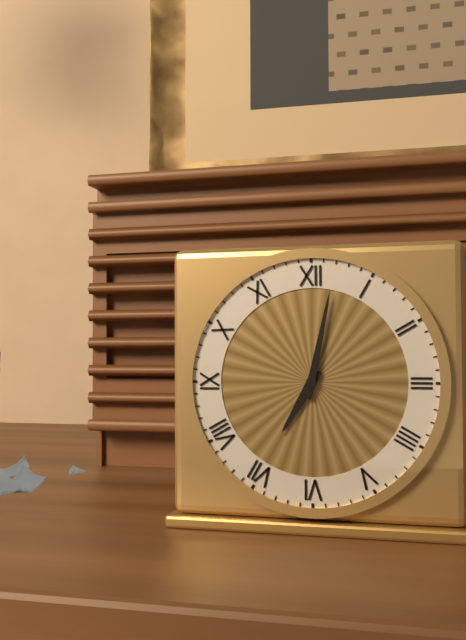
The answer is 7:02
